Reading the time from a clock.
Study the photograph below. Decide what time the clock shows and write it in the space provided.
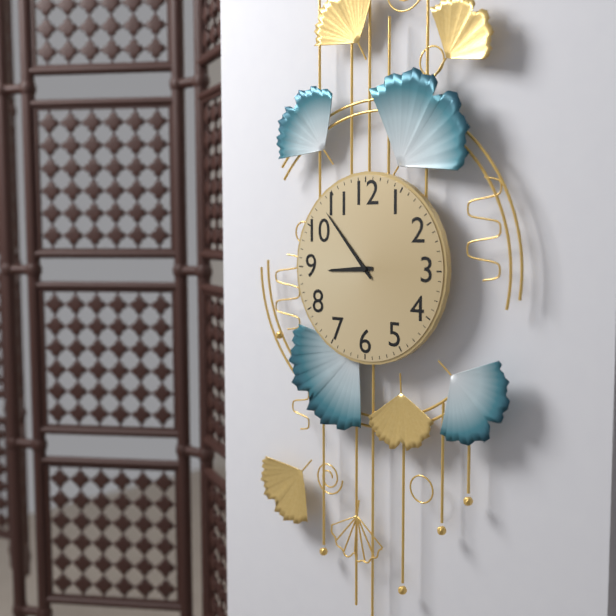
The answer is 8:53
